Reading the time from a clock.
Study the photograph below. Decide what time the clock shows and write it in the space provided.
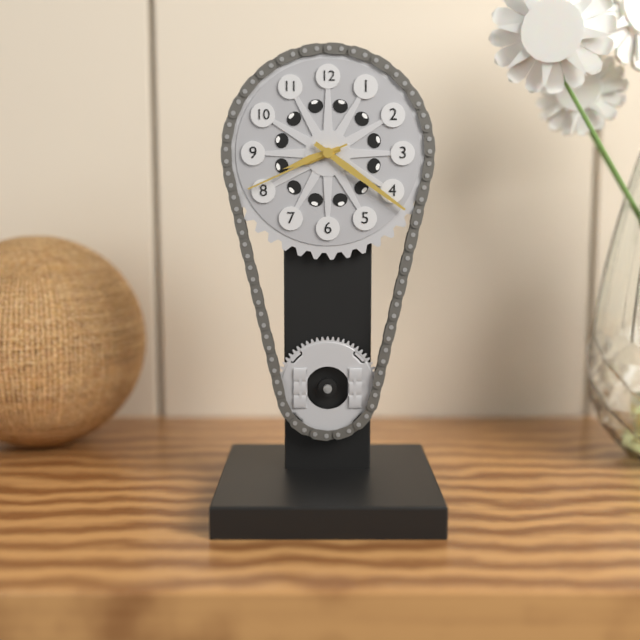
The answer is 8:21:41
